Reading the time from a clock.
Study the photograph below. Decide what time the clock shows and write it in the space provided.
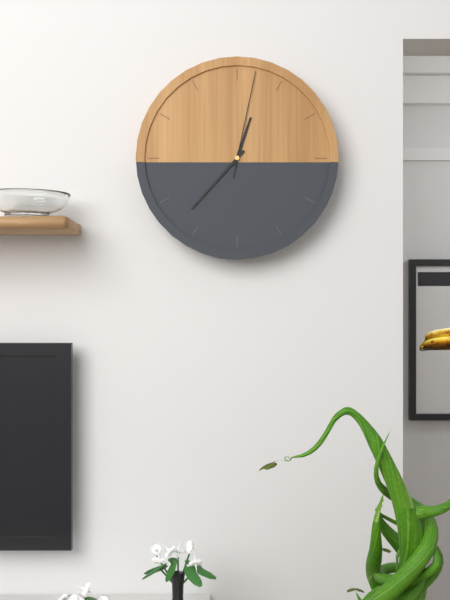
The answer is 12:37:02
